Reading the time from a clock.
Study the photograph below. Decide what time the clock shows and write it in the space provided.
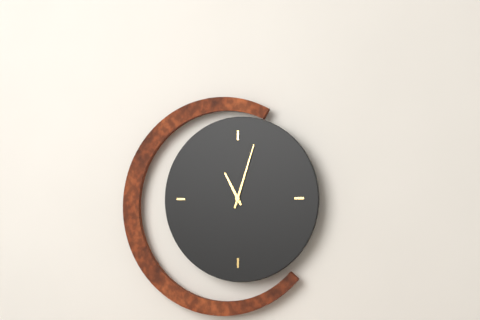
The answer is 11:03
